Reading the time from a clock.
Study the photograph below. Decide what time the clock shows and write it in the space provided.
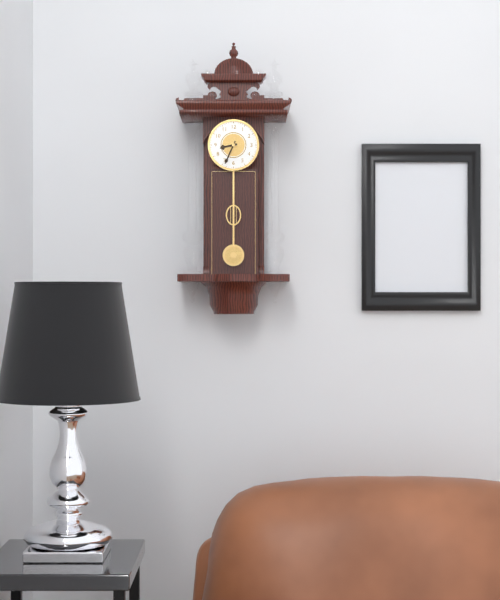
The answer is 8:34
